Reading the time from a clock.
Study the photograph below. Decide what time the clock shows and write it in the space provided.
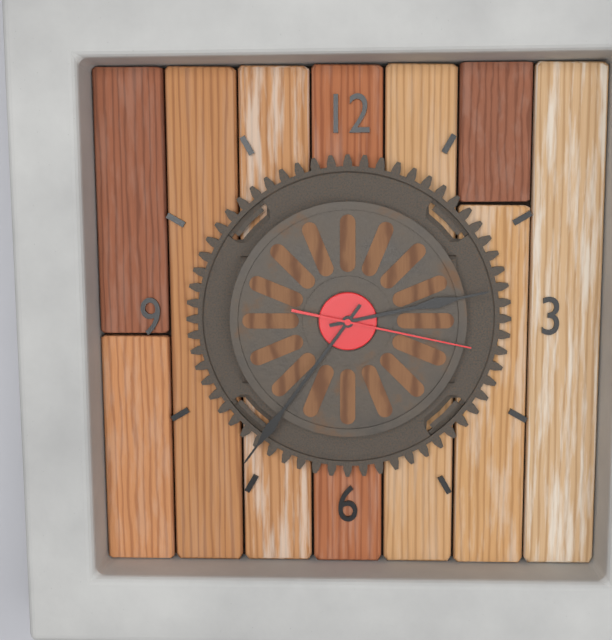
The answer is 2:36:17
